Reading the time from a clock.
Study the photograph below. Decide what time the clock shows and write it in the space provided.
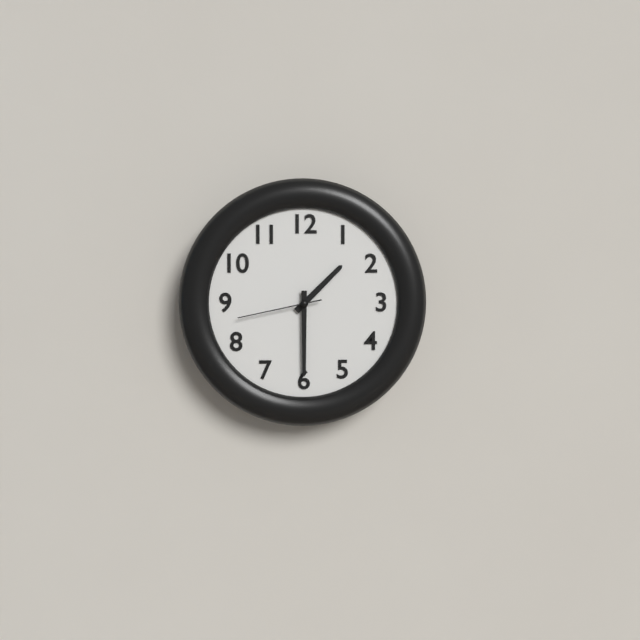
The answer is 1:30:43
